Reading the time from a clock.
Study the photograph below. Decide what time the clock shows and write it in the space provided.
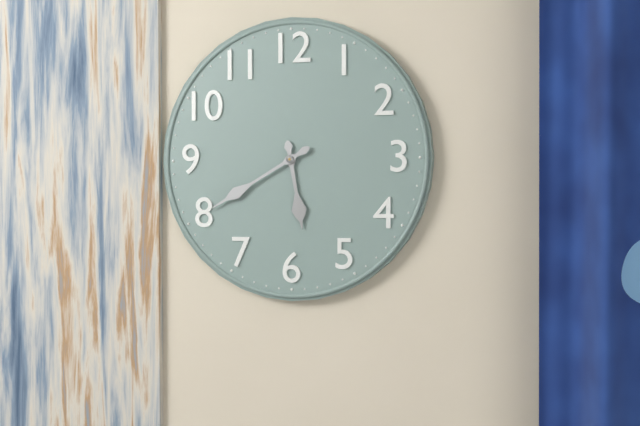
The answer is 5:40
